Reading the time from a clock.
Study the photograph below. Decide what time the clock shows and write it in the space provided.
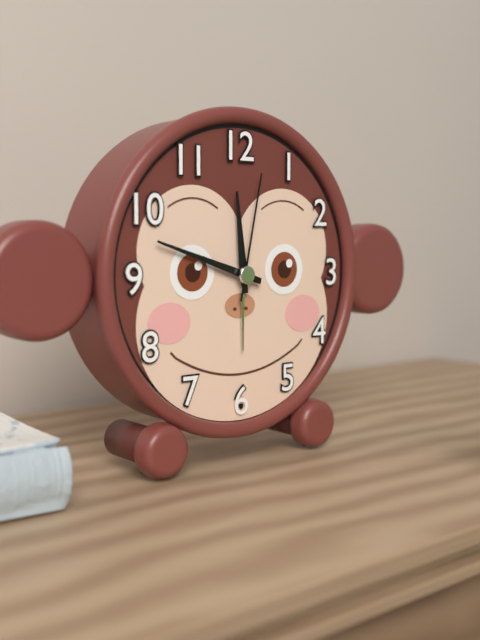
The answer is 11:48:02
